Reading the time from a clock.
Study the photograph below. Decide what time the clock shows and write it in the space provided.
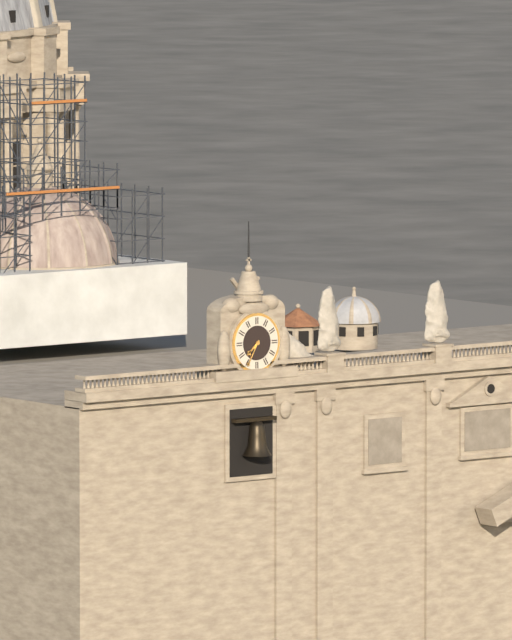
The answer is 7:35
